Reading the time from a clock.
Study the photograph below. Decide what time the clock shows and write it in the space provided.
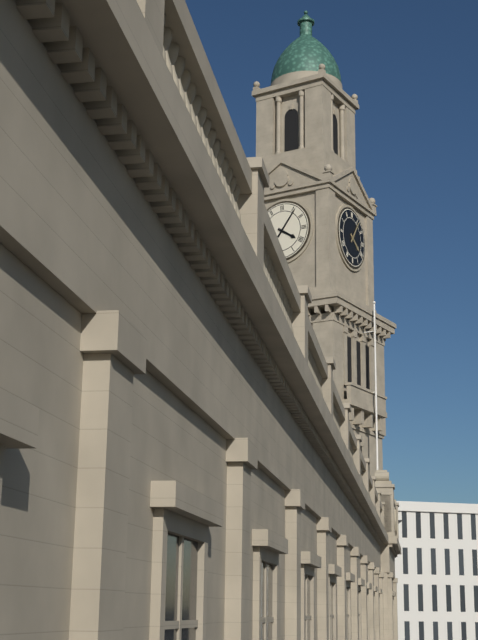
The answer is 4:06
